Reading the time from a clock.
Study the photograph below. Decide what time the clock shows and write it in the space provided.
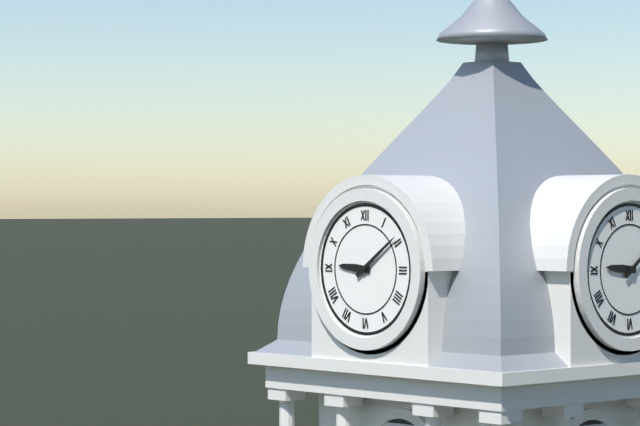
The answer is 9:09
